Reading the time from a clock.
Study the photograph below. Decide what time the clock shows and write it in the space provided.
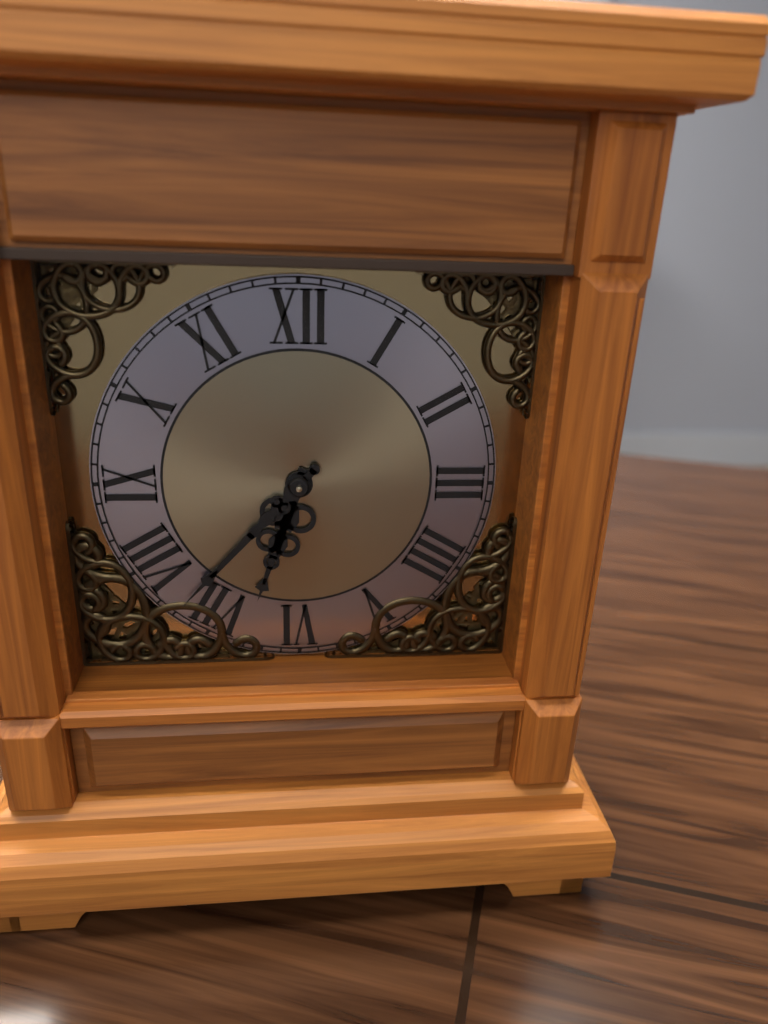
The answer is 6:37
